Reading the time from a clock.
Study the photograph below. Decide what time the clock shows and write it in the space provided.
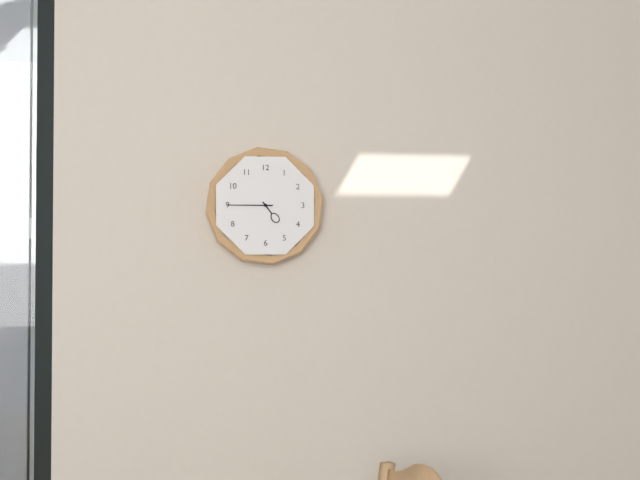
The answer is 4:45
